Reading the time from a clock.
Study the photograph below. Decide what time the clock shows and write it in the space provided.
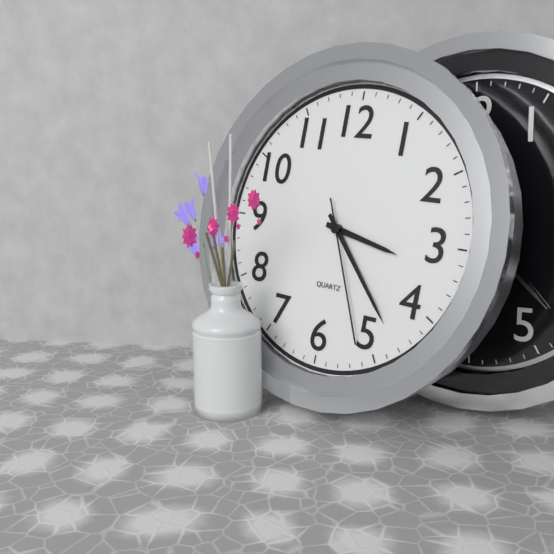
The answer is 3:23:26
